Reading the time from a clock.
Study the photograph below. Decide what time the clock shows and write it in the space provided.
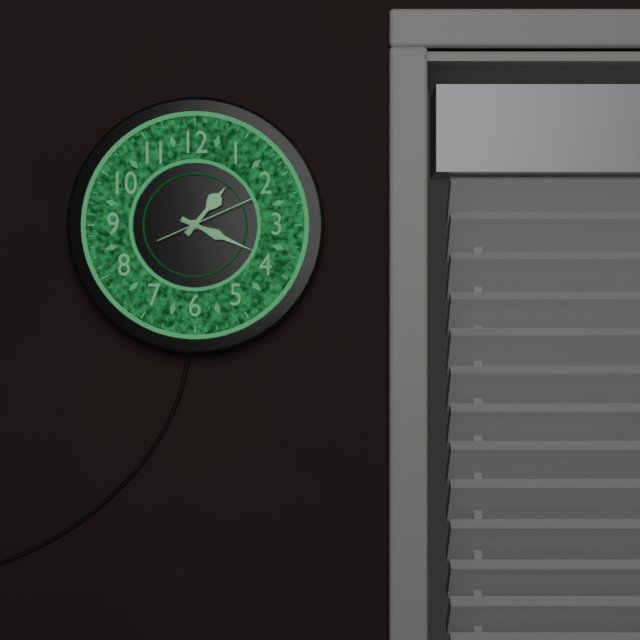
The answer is 1:19:11
